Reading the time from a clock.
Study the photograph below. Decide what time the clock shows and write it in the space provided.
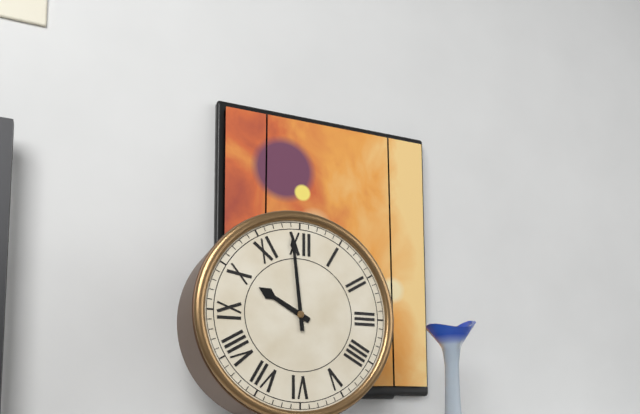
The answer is 9:59
